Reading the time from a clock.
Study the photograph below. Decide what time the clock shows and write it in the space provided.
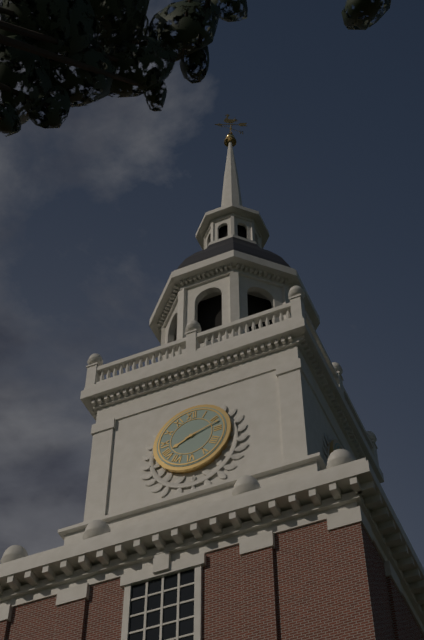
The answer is 8:12
